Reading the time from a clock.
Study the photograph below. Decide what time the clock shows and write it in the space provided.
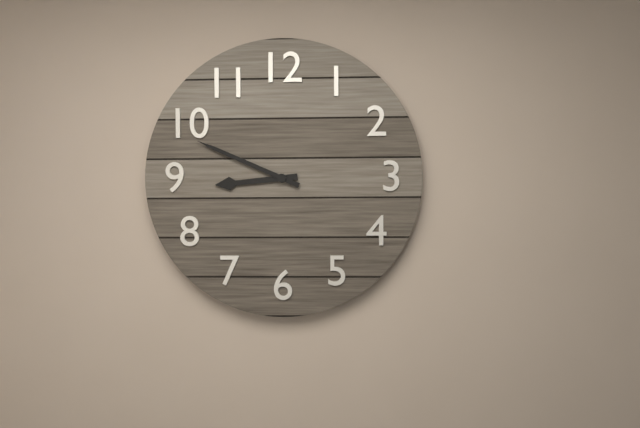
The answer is 8:49
